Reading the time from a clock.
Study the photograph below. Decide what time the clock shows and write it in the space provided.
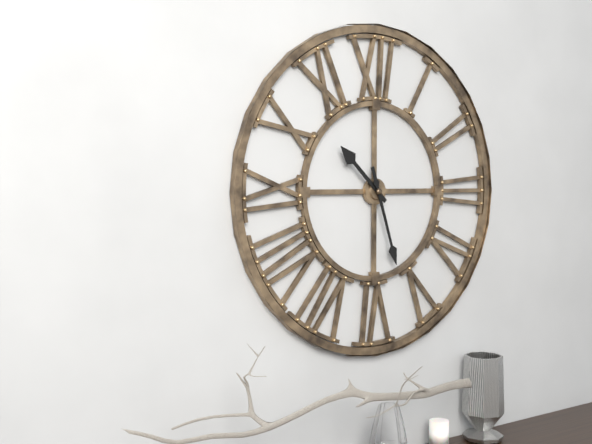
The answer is 10:27
